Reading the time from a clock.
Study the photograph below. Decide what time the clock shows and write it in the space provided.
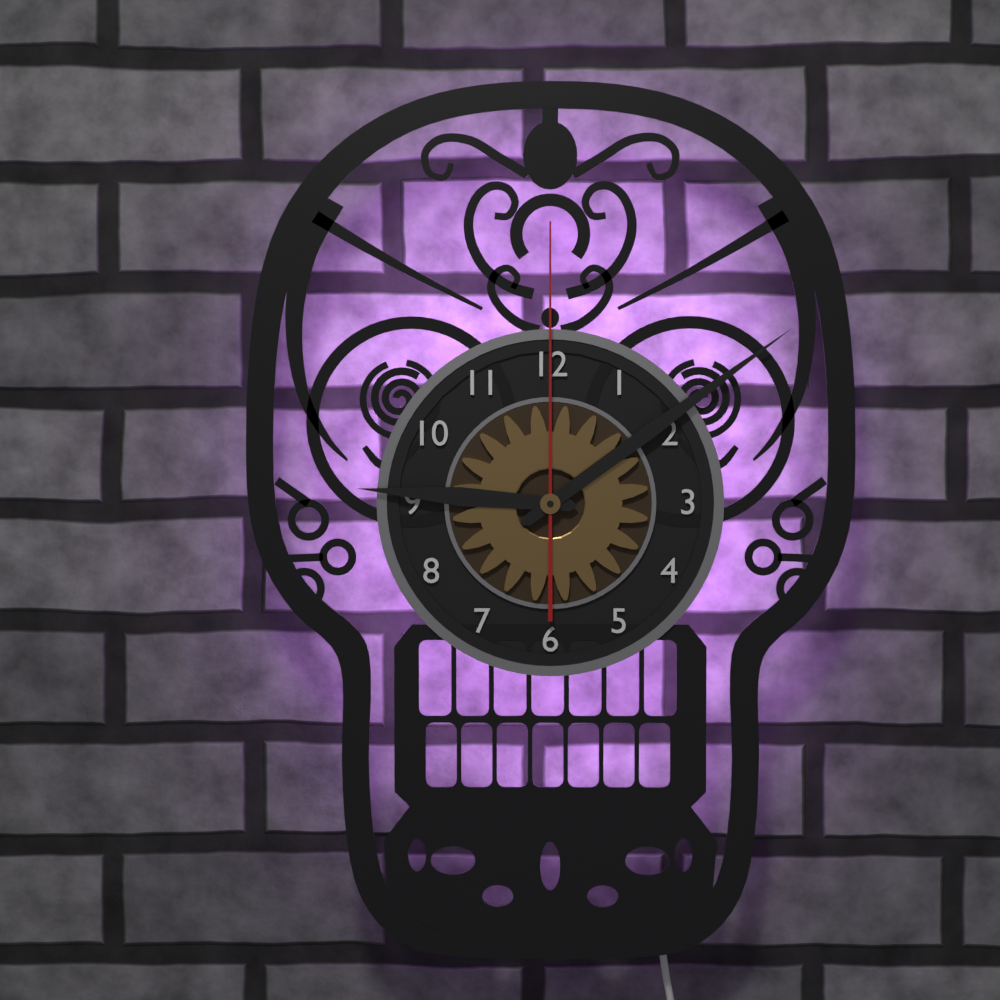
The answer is 9:09:00
